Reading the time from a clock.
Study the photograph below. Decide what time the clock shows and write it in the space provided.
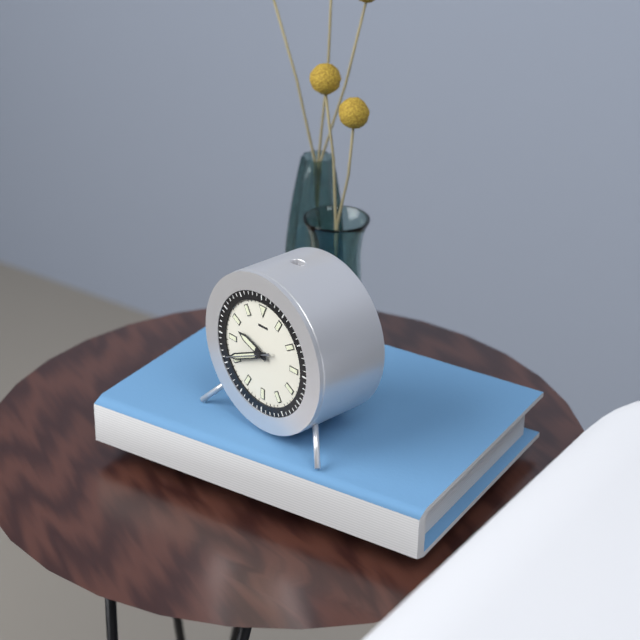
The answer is 9:41
